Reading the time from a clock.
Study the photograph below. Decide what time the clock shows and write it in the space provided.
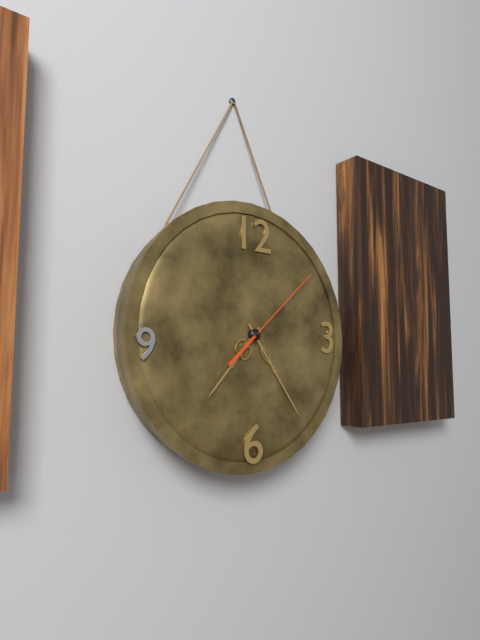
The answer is 7:24:08
